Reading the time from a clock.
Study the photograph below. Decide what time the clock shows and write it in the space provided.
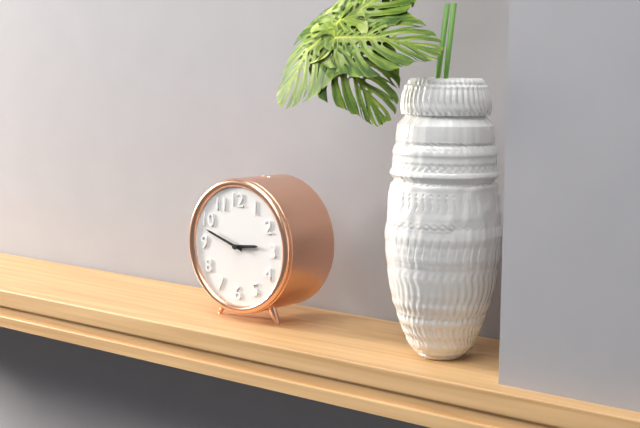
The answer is 2:48
